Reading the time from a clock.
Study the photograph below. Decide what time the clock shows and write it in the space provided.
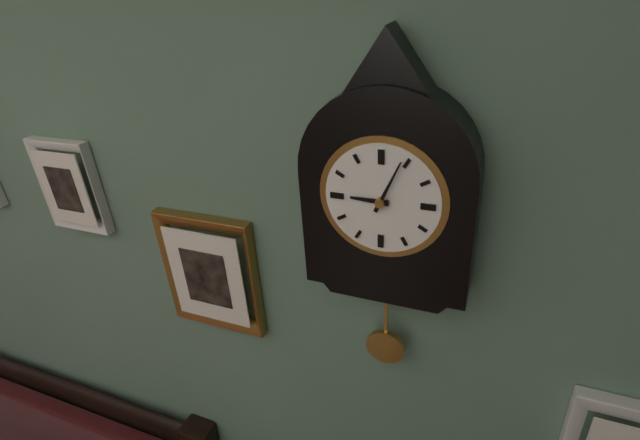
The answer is 9:04
